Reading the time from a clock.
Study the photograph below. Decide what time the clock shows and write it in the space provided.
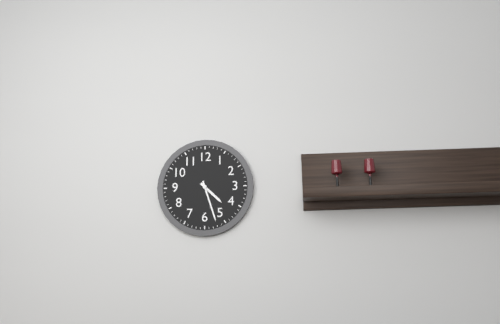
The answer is 4:27
